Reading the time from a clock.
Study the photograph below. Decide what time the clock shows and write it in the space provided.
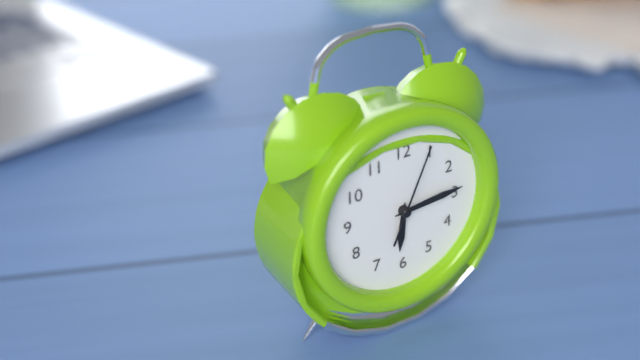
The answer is 6:14:04
